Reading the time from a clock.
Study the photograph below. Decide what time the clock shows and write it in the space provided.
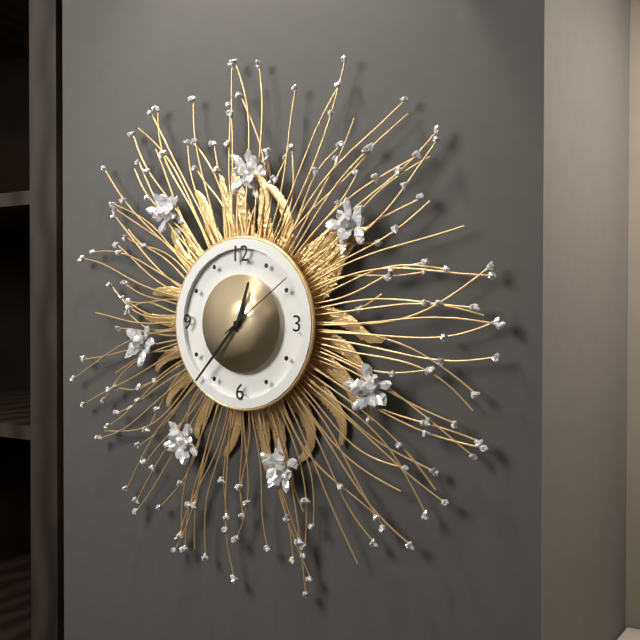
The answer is 12:37:09
